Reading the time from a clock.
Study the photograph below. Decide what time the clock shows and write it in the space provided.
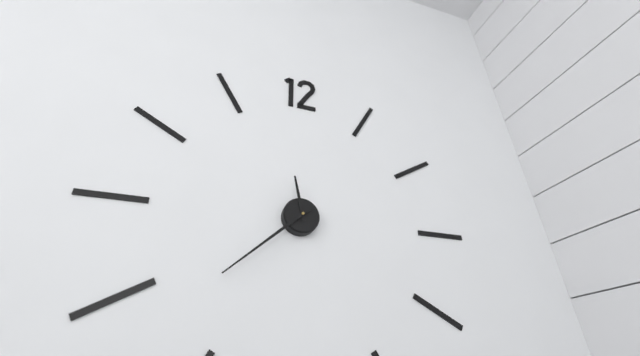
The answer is 11:38
